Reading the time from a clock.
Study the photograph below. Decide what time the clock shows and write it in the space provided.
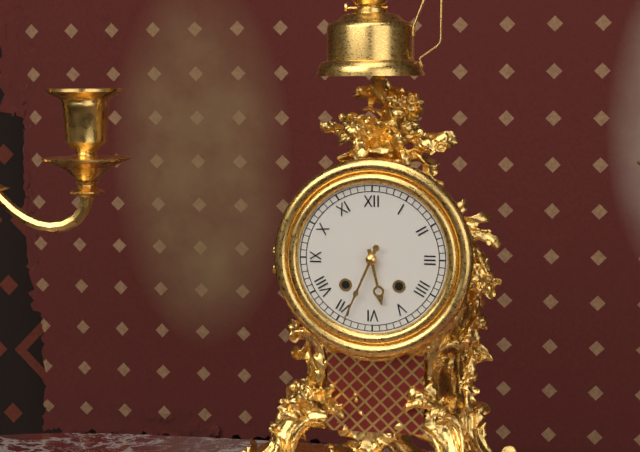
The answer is 5:34
